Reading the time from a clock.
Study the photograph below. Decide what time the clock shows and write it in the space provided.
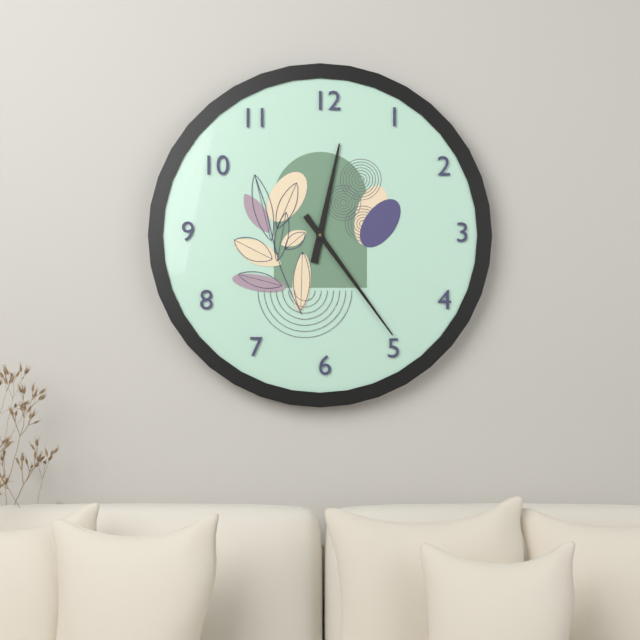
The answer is 12:24
